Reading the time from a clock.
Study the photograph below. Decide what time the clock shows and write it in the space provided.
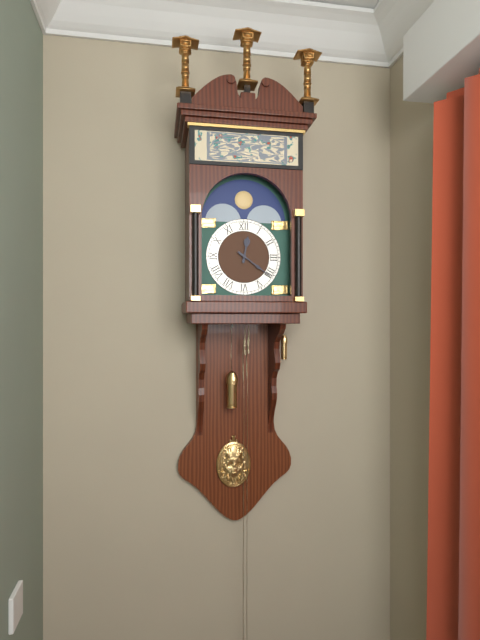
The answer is 12:21
